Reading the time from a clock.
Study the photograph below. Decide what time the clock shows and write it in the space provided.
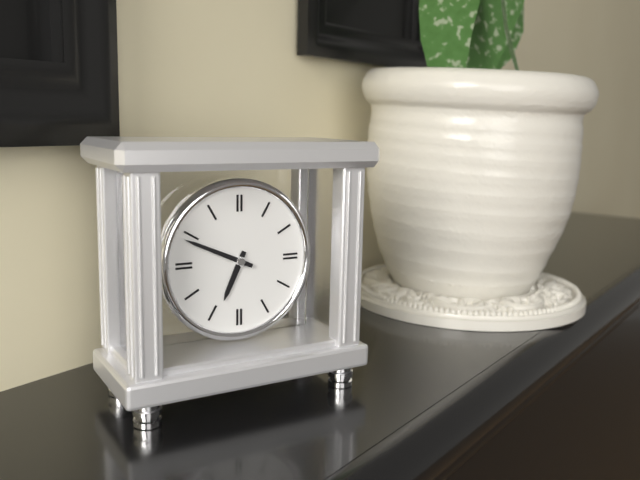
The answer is 6:49
